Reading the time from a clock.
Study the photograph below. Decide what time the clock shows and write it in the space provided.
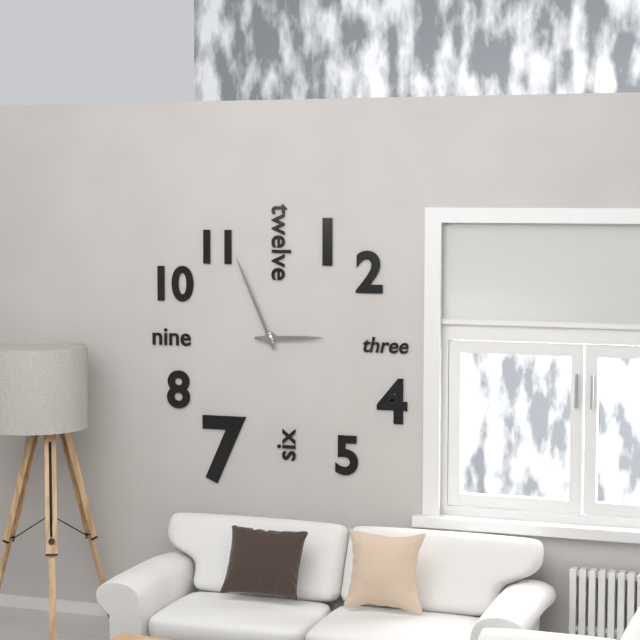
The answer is 2:56
